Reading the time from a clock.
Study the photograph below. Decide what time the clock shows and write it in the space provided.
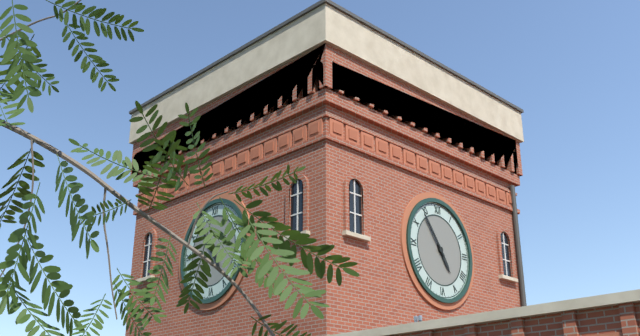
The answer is 4:54
